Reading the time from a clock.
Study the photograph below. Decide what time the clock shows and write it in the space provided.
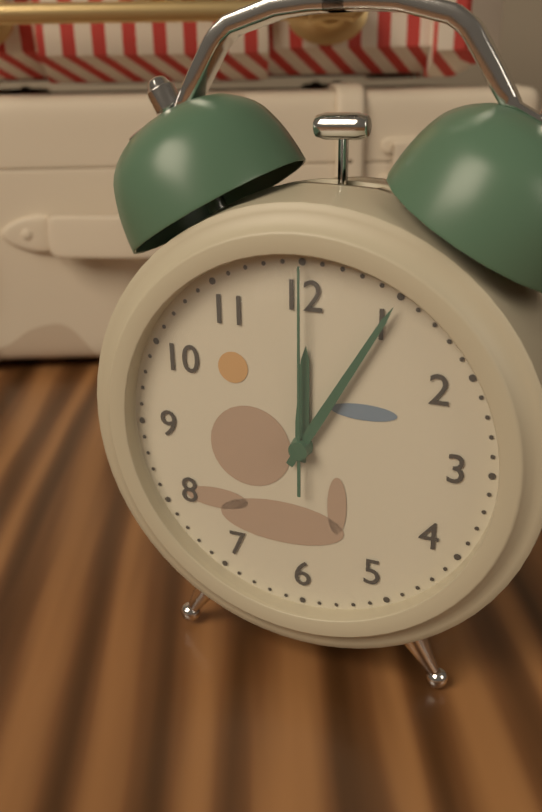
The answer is 12:05:00
